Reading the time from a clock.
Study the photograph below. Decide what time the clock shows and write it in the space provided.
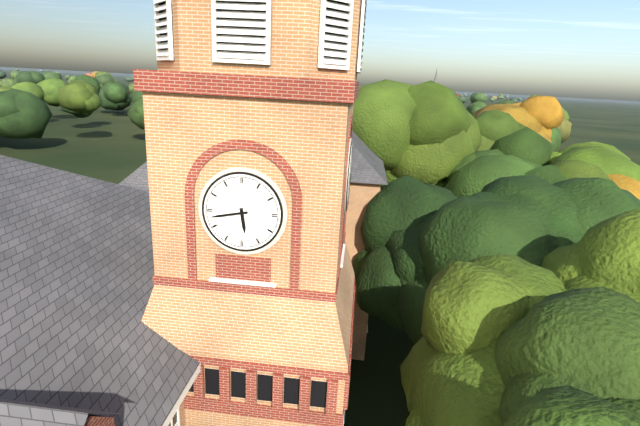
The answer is 5:43
